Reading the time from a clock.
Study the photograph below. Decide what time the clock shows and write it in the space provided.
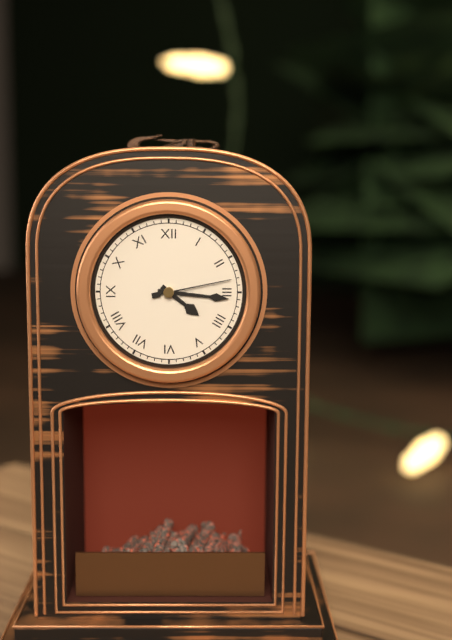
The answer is 4:16:13
